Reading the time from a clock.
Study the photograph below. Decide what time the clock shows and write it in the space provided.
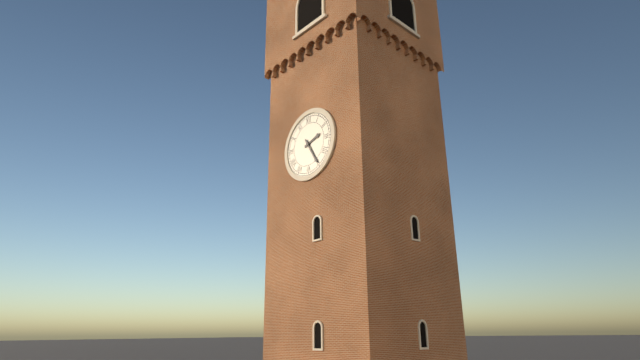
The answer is 2:25
